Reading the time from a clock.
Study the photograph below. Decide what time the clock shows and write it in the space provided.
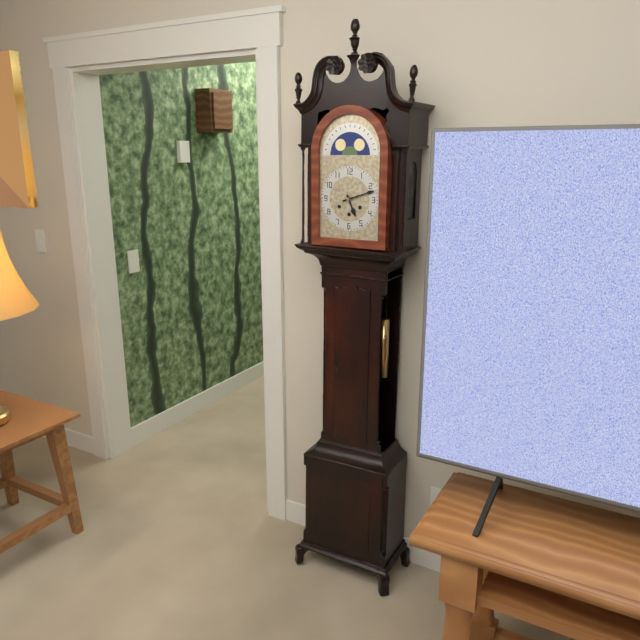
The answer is 5:12
